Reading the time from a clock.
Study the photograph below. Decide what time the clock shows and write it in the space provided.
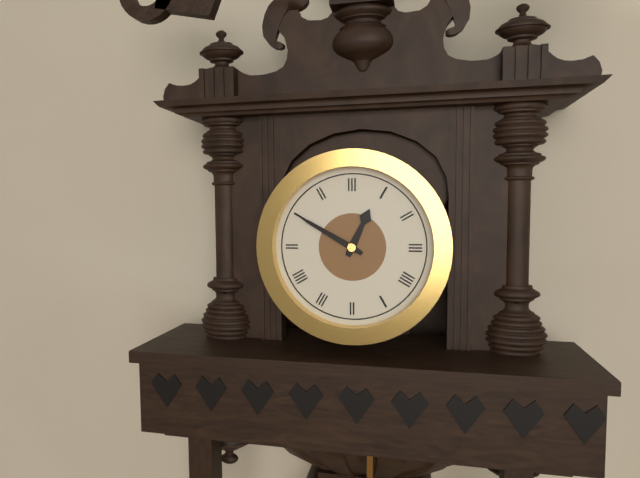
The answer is 12:50
